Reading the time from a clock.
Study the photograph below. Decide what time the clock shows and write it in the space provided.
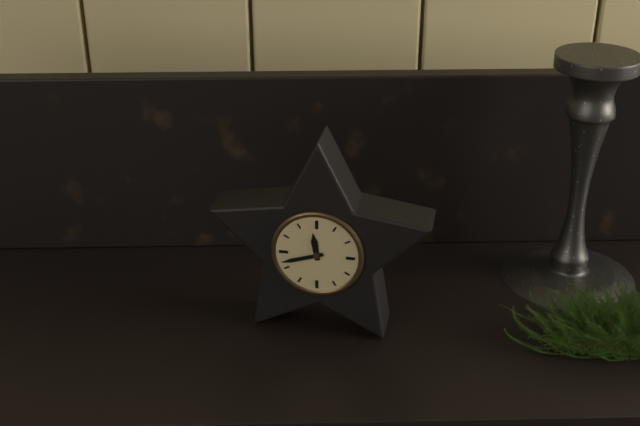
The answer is 11:42
